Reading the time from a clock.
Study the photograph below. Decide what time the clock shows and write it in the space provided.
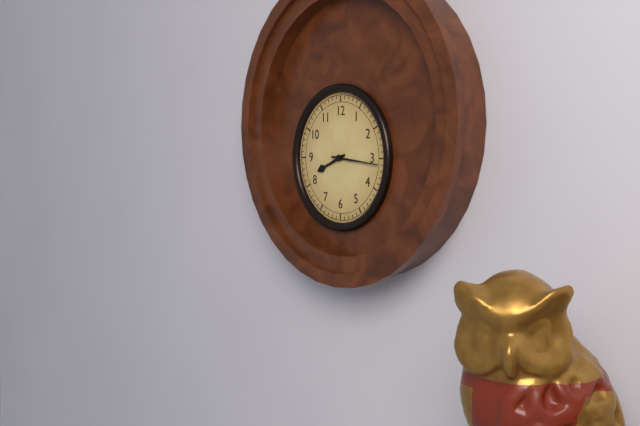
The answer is 8:16
